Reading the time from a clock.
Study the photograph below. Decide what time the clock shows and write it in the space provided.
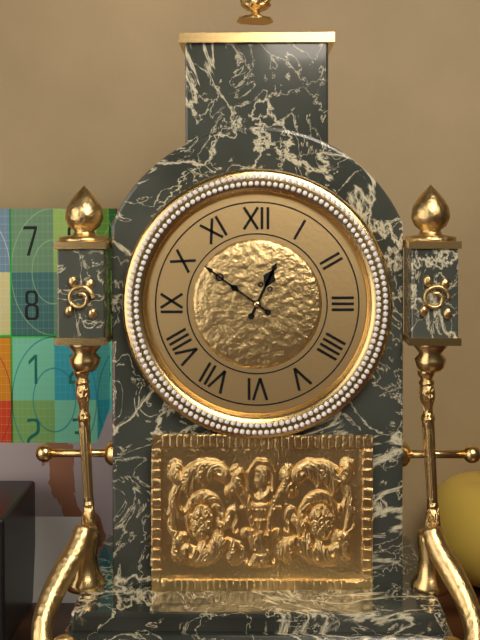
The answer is 12:51
